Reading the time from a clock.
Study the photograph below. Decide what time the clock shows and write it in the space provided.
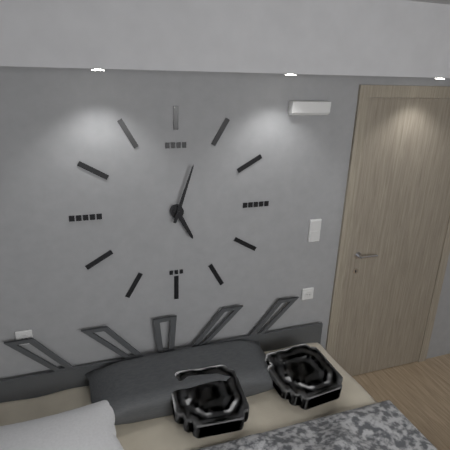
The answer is 5:03
